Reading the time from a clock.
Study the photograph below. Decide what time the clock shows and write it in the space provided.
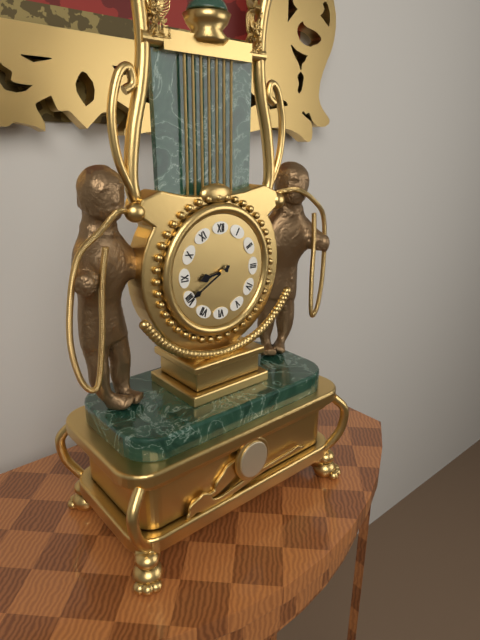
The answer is 8:40
